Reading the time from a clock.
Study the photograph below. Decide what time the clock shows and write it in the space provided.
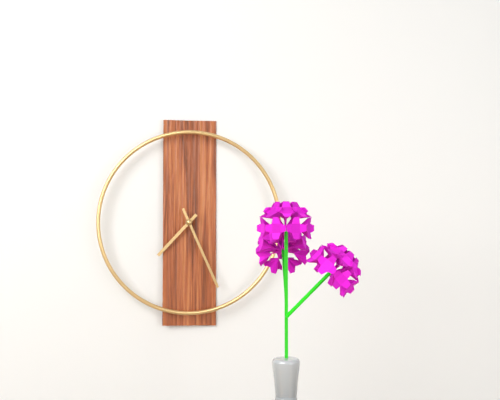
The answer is 7:26
